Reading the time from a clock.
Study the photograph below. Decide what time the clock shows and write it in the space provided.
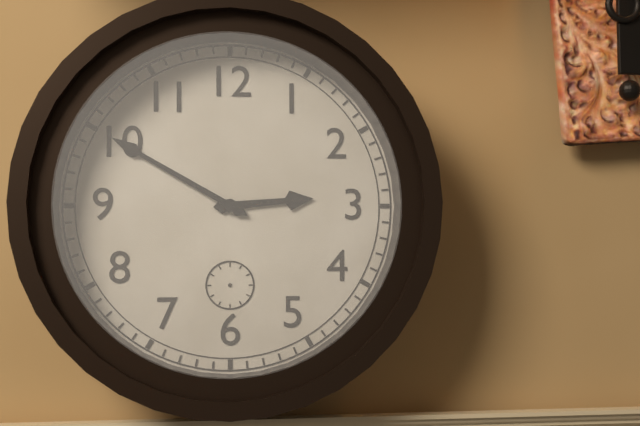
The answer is 2:50
